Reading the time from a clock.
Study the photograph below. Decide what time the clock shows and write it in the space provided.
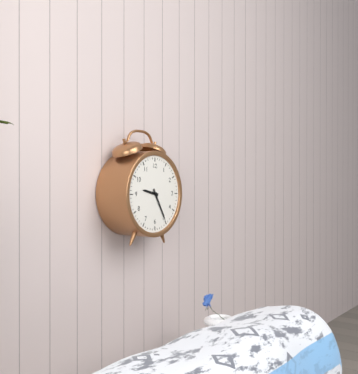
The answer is 9:25
